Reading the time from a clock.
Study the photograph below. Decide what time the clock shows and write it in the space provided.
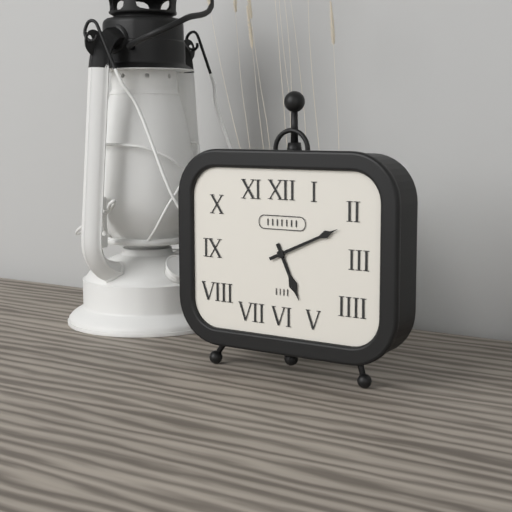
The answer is 5:11
